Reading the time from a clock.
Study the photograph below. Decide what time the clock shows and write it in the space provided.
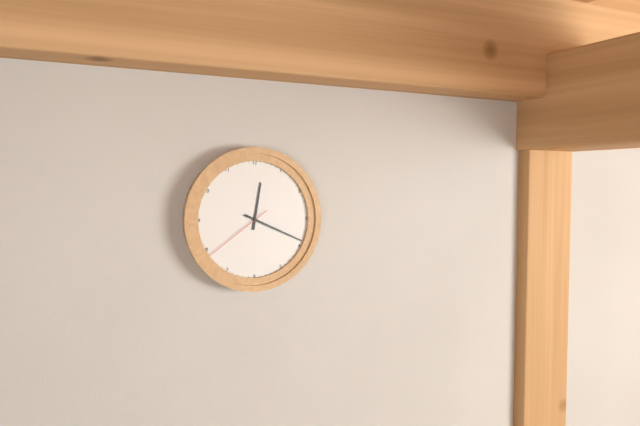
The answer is 12:19:39
